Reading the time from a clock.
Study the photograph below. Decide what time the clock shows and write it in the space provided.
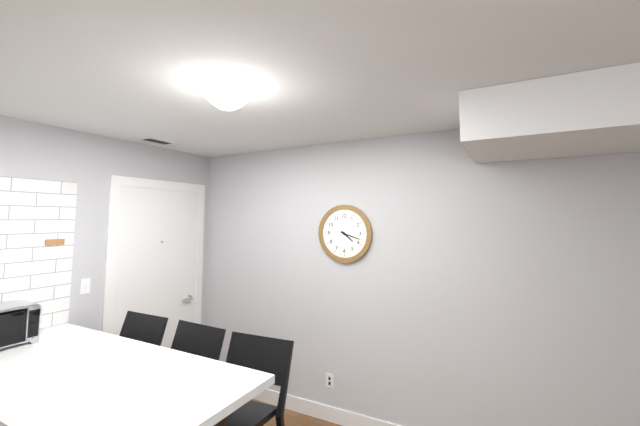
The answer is 4:18
